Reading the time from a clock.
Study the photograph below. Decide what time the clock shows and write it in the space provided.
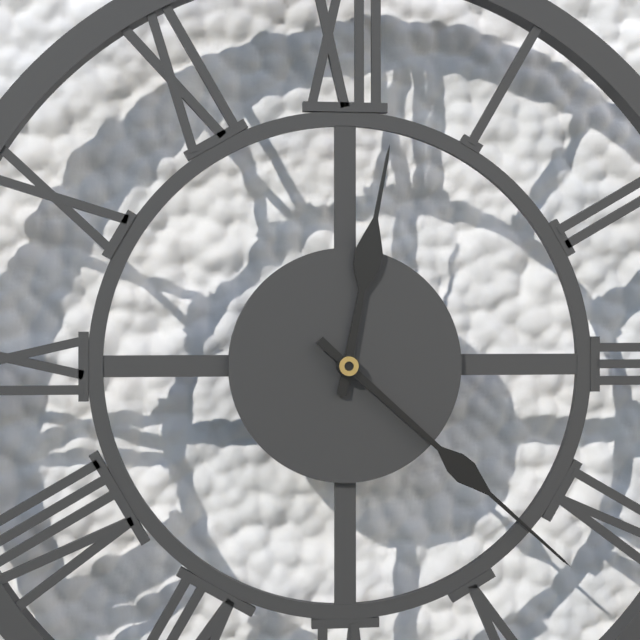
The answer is 12:22
